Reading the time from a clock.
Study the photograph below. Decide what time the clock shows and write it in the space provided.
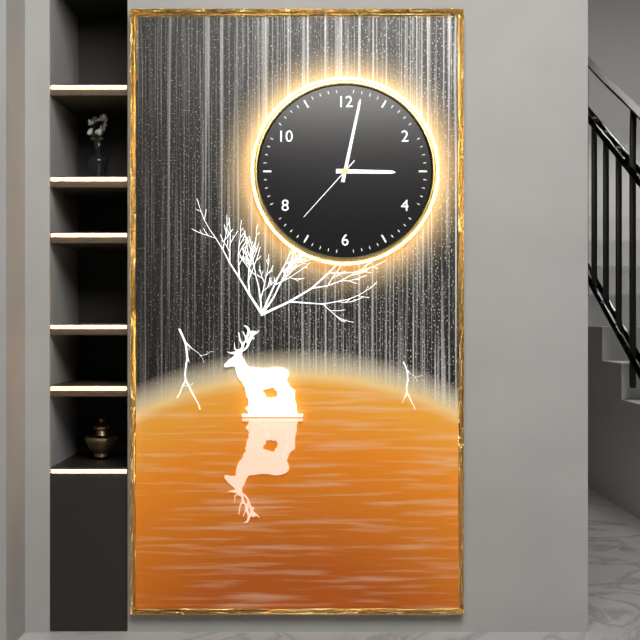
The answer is 3:02:37
